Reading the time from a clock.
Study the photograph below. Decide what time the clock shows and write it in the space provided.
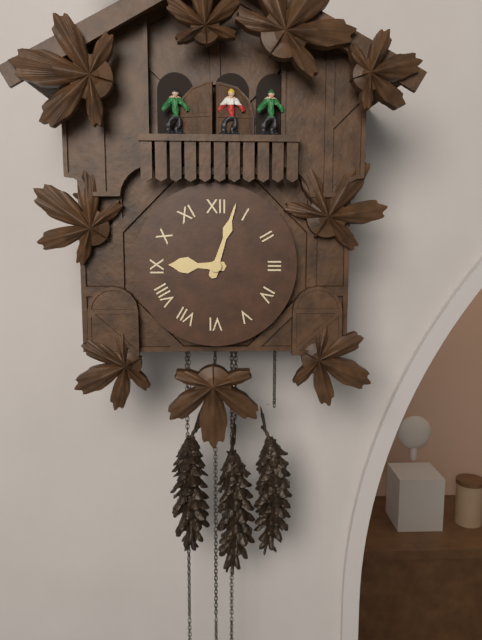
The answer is 9:03
